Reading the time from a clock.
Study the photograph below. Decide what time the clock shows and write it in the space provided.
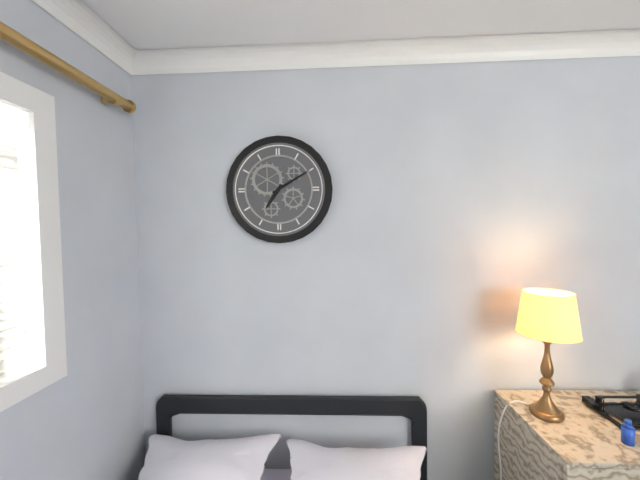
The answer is 7:10
